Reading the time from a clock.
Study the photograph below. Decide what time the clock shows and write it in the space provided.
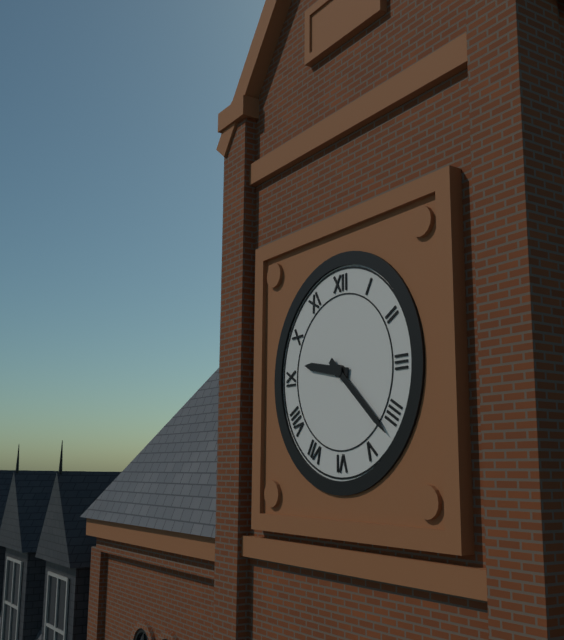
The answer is 9:22
